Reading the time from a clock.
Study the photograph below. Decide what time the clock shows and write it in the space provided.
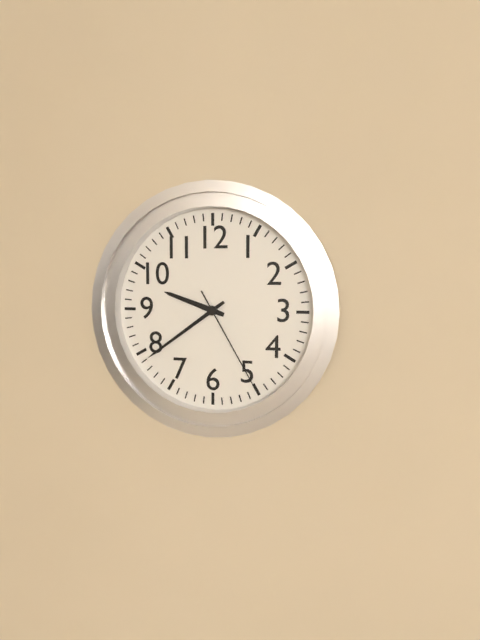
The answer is 9:39:25
